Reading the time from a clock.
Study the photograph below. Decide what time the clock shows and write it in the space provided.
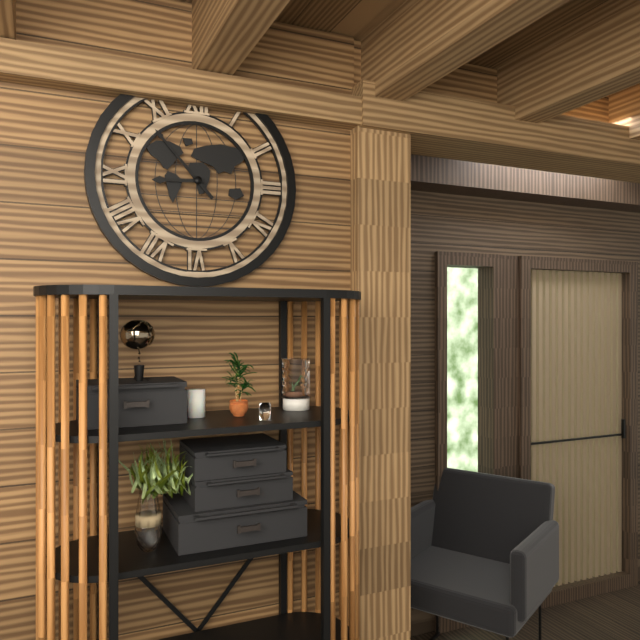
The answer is 8:53
